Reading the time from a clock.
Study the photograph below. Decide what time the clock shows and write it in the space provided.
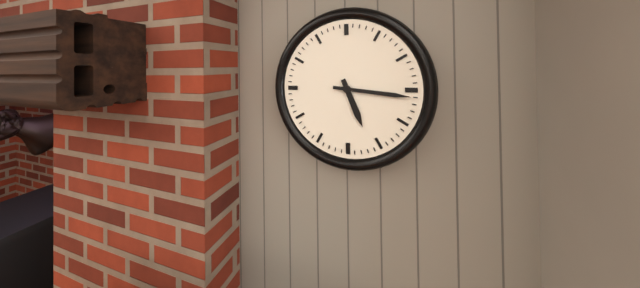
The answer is 5:16
